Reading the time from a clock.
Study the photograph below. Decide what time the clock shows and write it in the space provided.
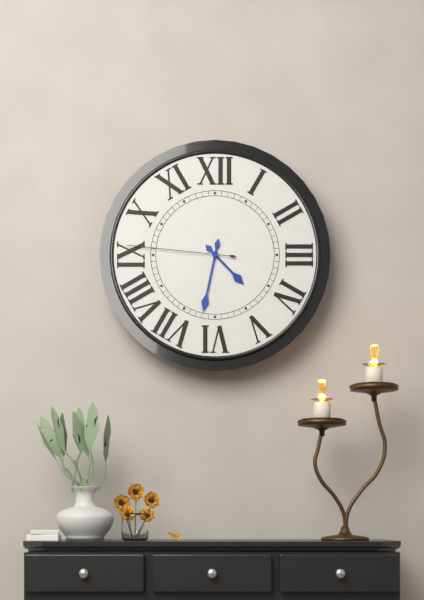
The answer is 4:32:46
